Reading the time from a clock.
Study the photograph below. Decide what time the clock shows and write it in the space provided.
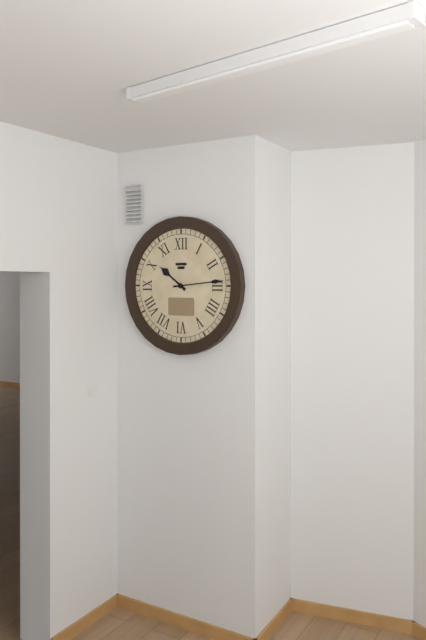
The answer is 10:14
